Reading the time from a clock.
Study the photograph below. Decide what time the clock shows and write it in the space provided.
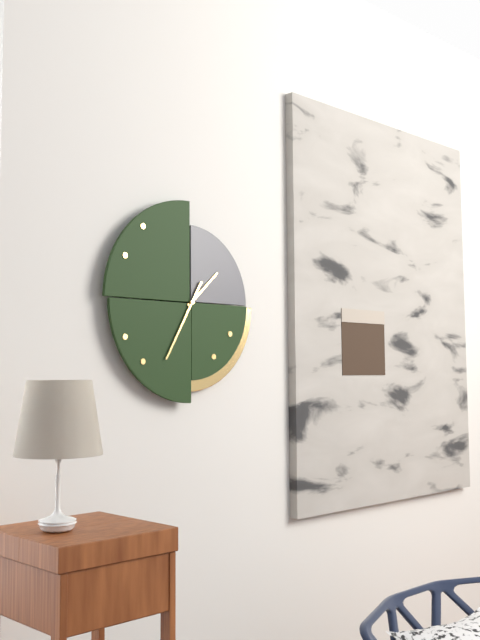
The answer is 1:35
